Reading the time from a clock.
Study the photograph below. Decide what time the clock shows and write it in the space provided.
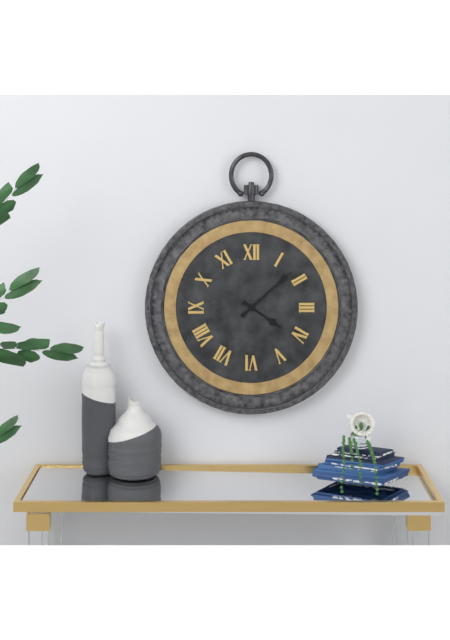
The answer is 4:08
